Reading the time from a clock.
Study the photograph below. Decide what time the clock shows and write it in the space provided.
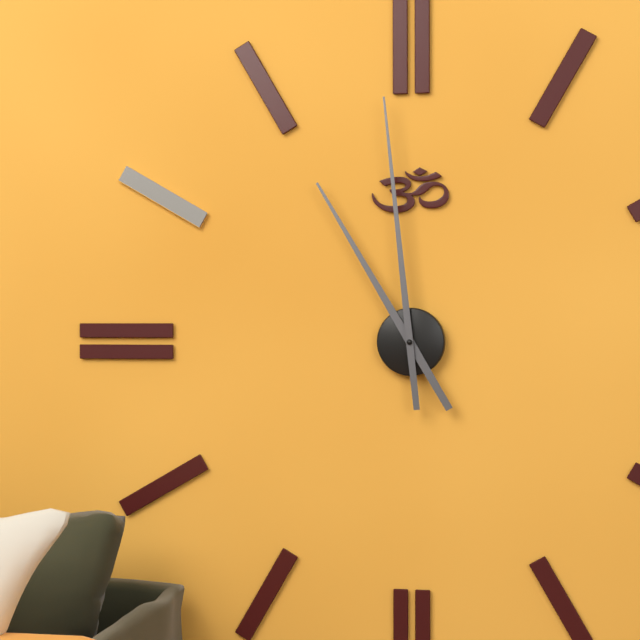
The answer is 10:59
